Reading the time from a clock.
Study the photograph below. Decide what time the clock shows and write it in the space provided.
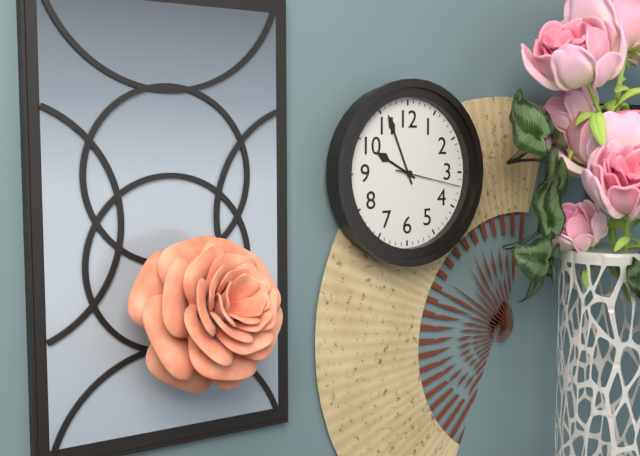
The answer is 9:56:17
